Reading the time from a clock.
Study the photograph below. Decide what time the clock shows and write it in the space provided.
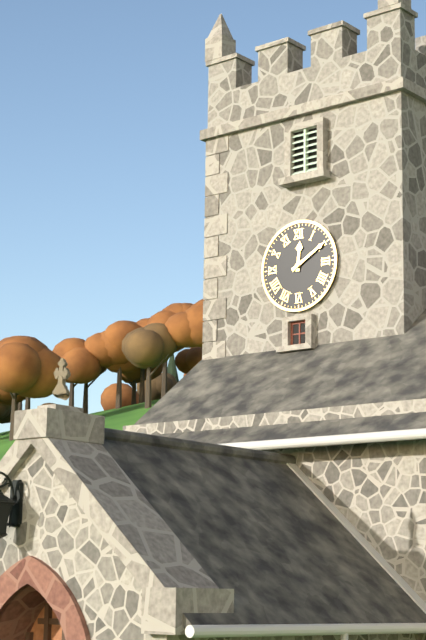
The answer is 12:10
